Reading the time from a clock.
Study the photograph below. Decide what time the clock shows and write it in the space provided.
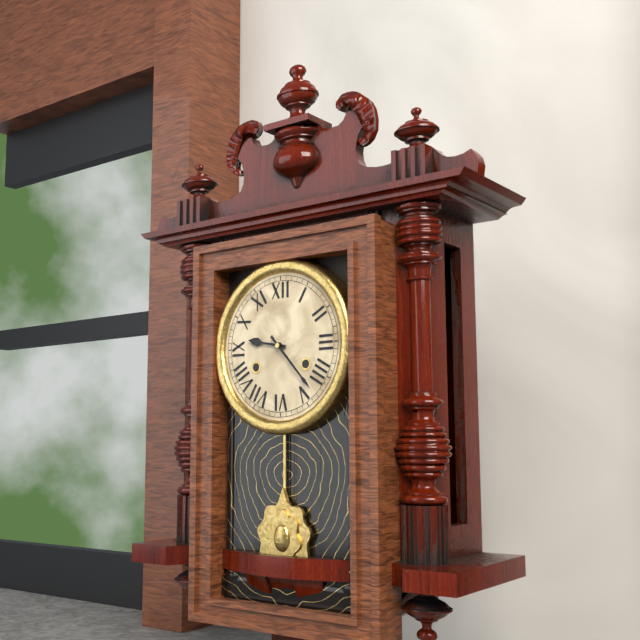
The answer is 9:23
